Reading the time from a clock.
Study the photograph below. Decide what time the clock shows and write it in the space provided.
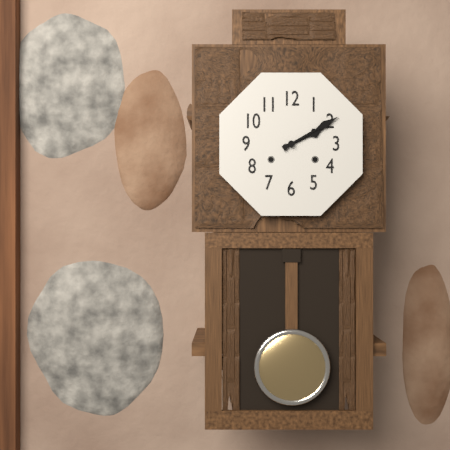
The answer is 2:10
